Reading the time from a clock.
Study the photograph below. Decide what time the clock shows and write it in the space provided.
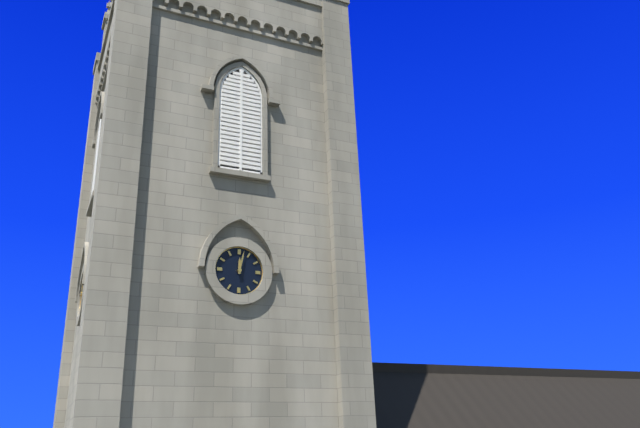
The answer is 12:02
